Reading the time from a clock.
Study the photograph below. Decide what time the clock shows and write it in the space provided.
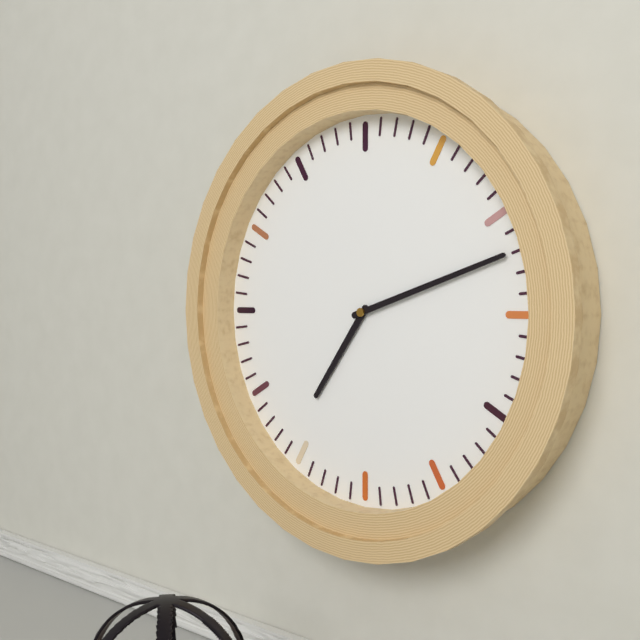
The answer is 7:12
